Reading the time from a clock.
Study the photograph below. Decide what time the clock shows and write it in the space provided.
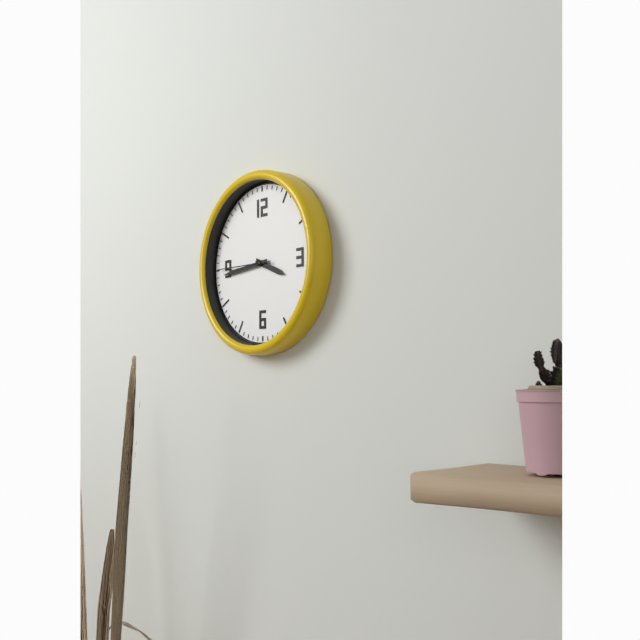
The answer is 3:44:45
